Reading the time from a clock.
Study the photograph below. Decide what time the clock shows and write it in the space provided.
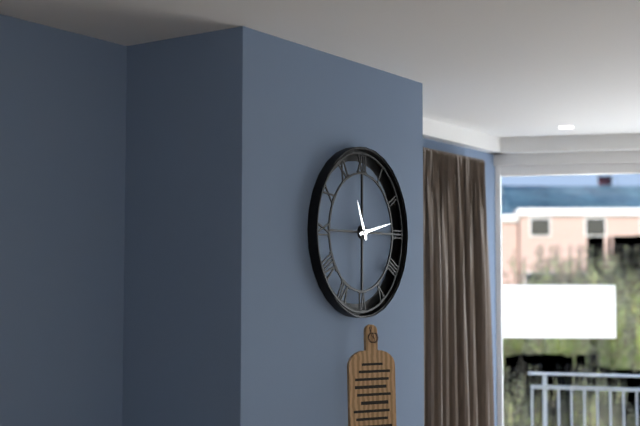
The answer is 11:13
